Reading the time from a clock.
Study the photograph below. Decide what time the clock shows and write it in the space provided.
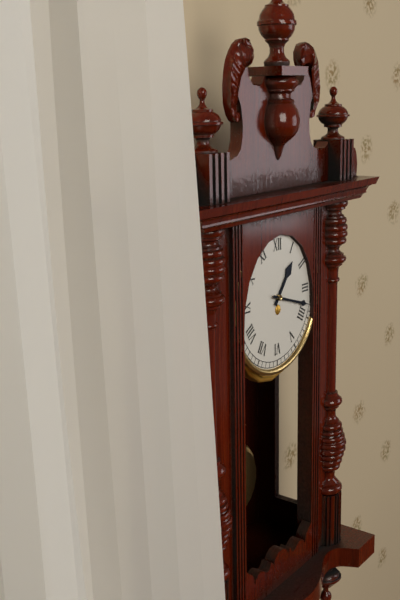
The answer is 1:18
